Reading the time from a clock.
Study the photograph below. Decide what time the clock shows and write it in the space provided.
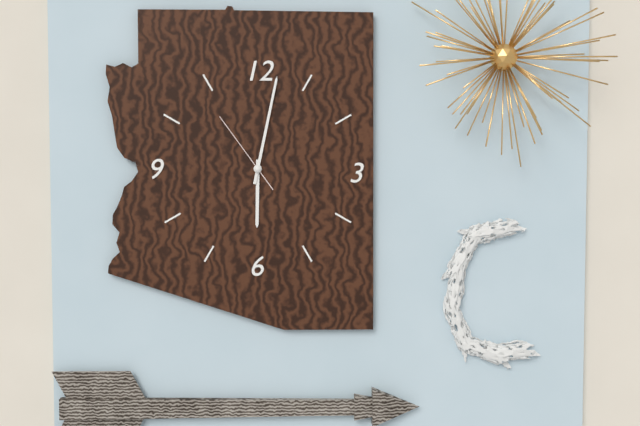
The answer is 6:02:54
